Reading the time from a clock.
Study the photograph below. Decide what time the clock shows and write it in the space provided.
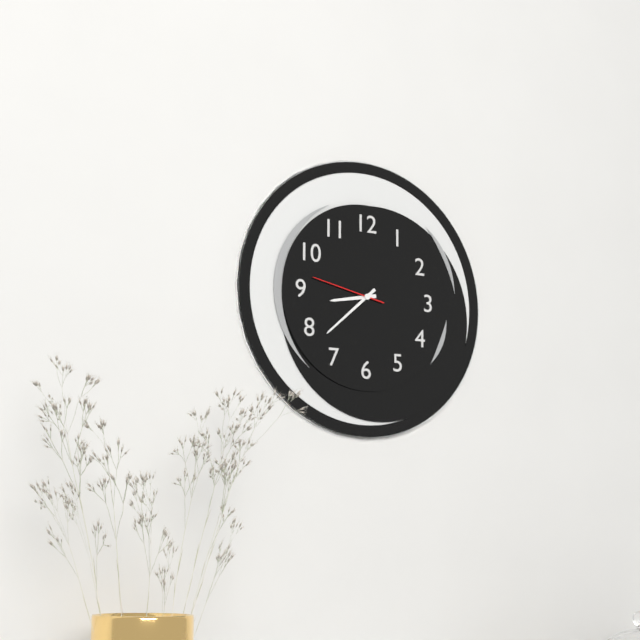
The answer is 8:38:47
